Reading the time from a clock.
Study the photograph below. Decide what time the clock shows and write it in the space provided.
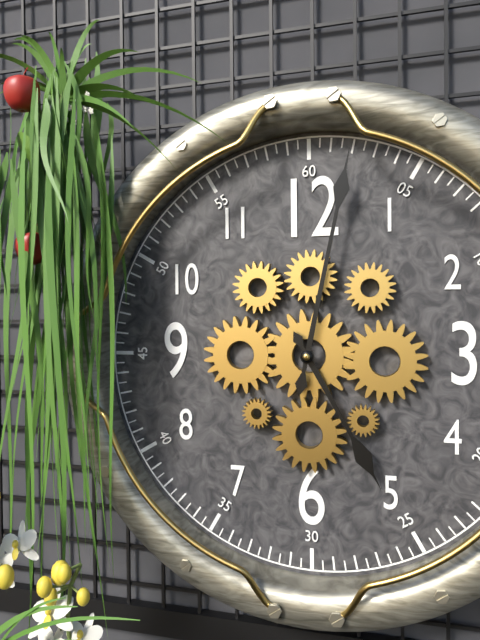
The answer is 5:02
